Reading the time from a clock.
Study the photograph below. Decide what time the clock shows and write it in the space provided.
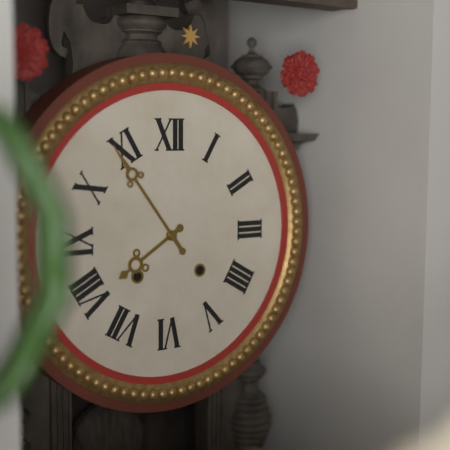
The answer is 7:54
